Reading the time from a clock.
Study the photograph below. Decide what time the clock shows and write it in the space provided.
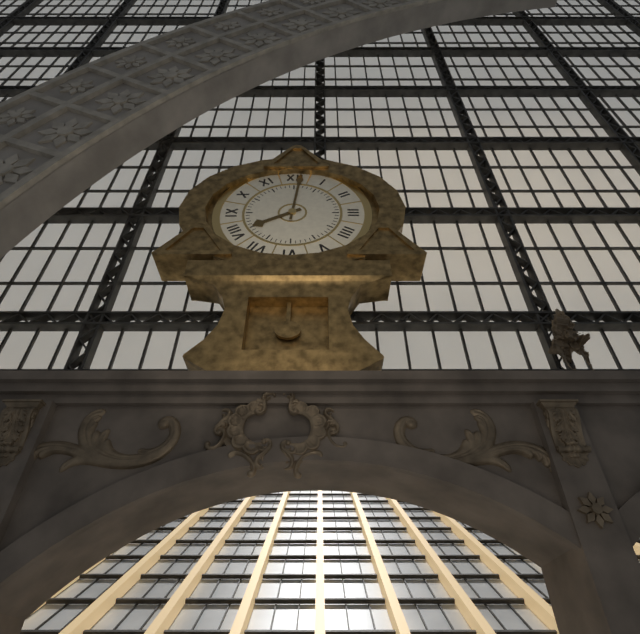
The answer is 8:01
